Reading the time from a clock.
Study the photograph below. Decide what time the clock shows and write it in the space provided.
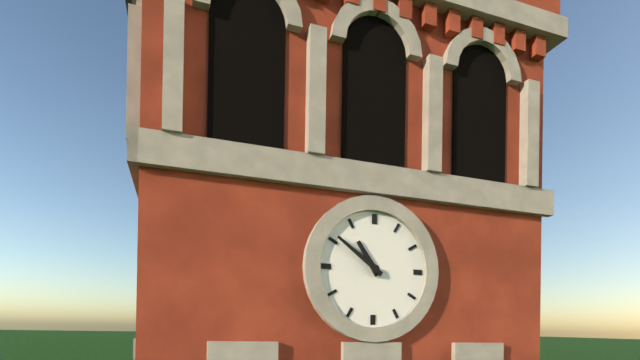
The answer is 10:51
